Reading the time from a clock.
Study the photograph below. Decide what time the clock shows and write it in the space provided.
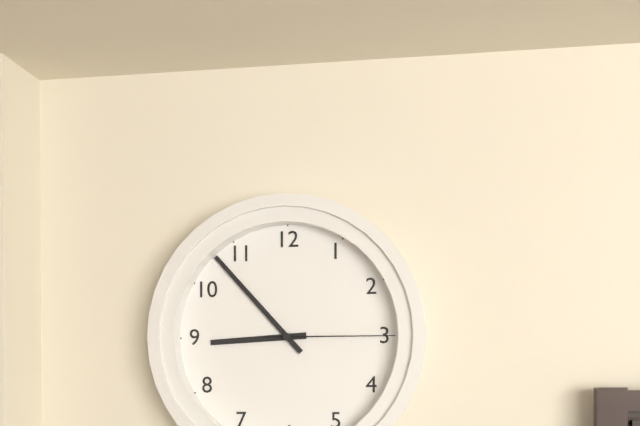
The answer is 8:53:15
